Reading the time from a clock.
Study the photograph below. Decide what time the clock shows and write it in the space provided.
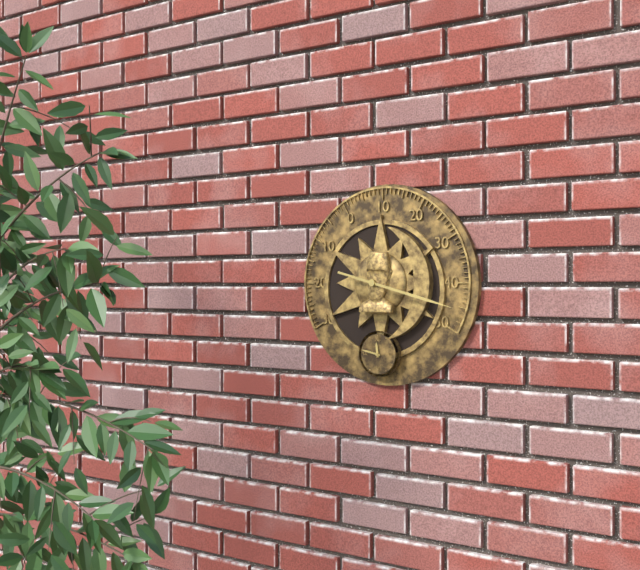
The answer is 11:47
